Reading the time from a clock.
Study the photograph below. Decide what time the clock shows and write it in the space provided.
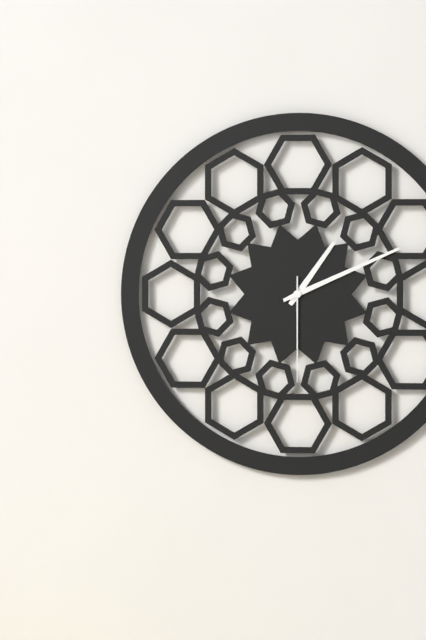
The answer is 1:11:30
